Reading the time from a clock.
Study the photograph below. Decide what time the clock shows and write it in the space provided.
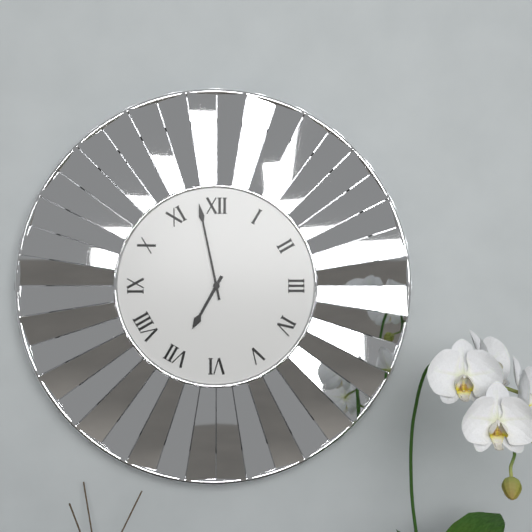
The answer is 6:58
